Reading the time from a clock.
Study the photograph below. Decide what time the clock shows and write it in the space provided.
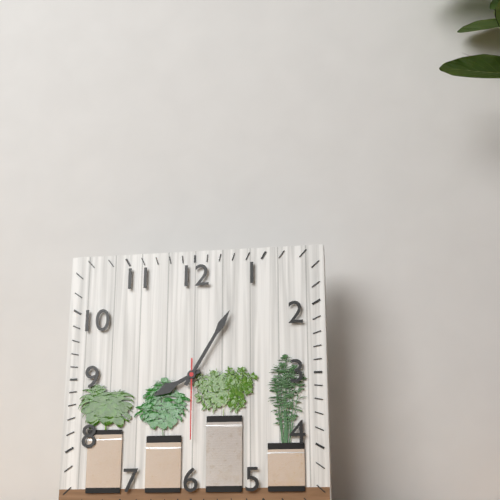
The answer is 8:05:30
